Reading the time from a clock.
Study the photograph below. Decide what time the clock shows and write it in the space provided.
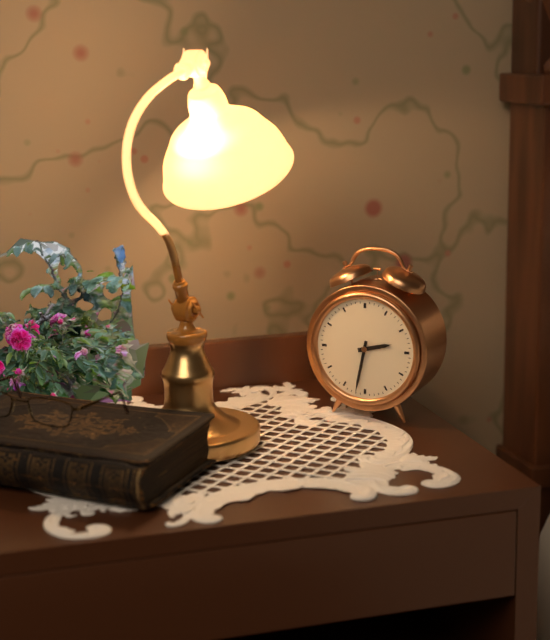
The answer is 2:32
